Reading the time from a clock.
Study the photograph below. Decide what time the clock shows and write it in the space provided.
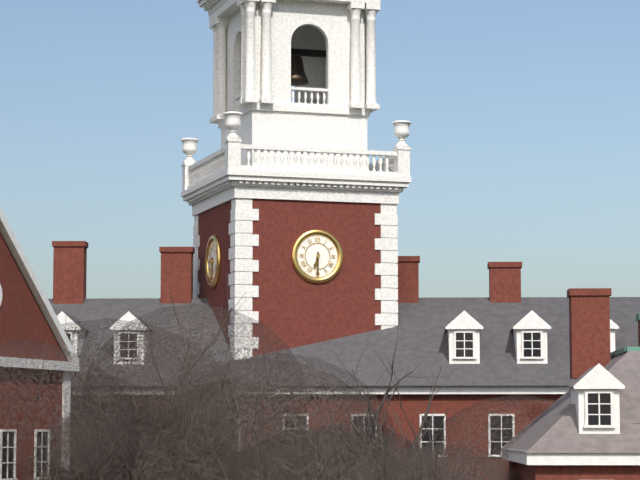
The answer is 6:30
